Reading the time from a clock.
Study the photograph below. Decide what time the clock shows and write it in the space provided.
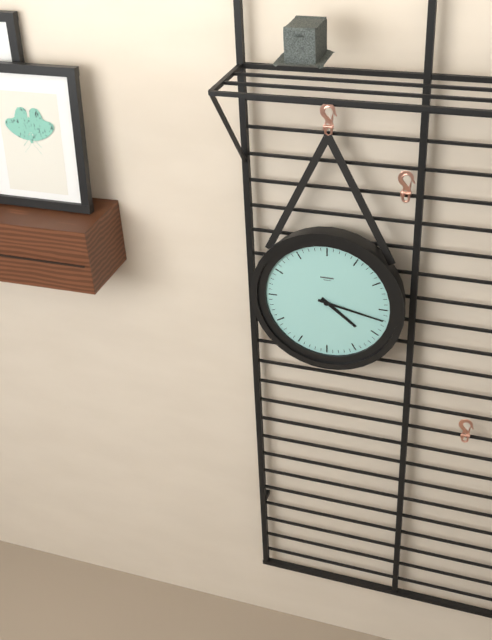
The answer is 4:17
